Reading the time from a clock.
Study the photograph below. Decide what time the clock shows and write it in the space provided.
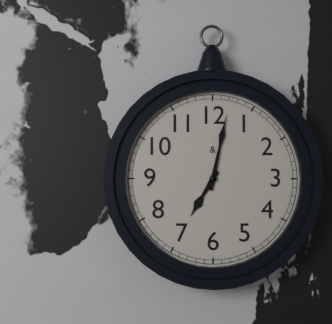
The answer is 7:02
